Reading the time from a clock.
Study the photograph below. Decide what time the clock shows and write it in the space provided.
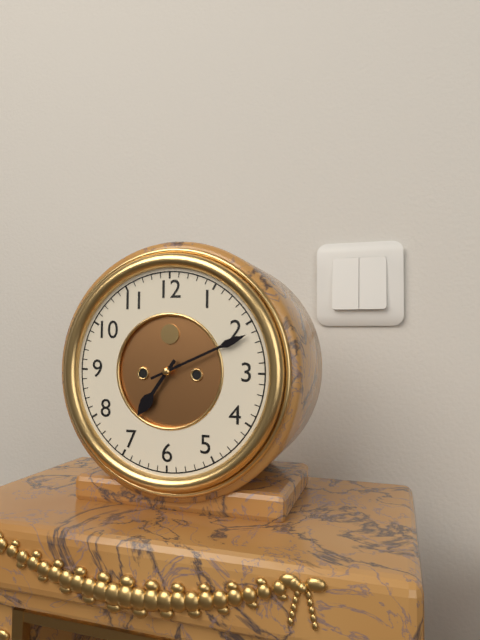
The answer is 7:11
